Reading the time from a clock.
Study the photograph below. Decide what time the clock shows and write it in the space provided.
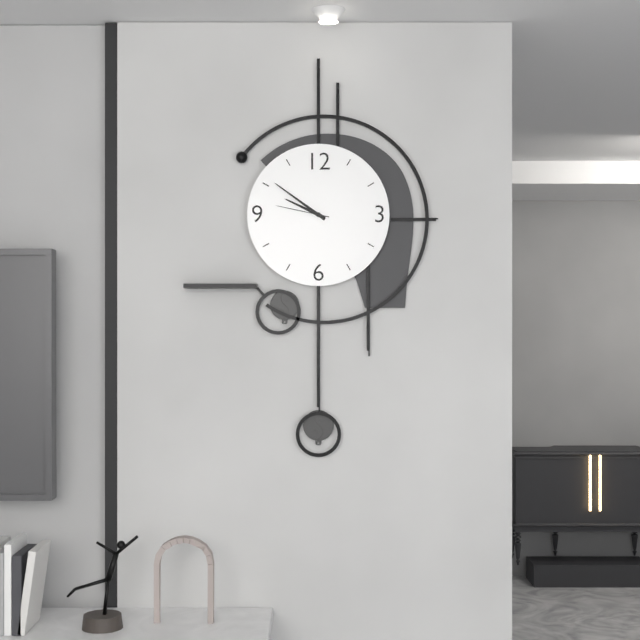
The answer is 9:51:47
